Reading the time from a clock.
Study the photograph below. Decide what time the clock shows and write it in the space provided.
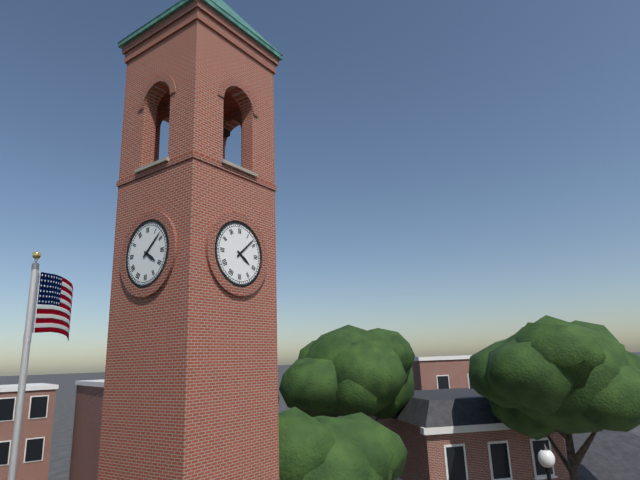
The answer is 4:08
